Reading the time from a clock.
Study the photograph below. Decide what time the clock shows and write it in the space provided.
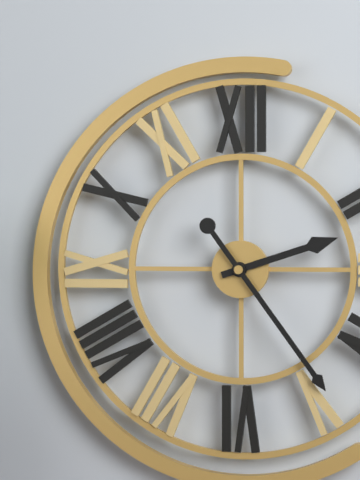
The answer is 2:24
